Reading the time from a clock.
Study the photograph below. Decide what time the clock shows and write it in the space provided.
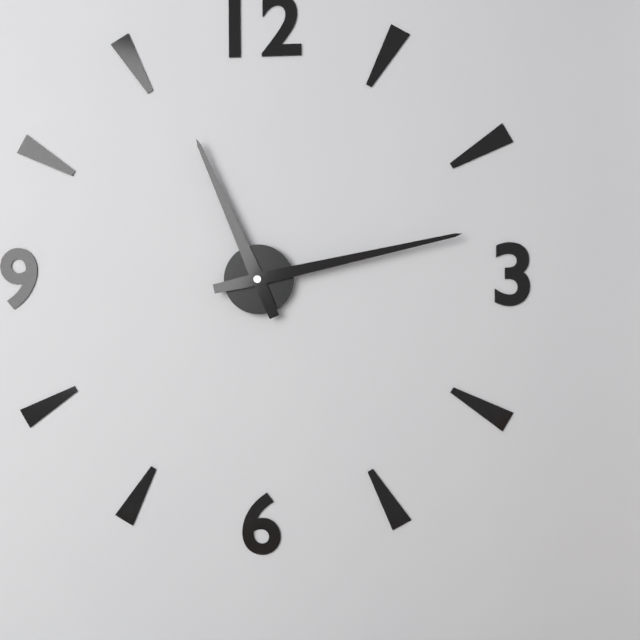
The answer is 11:13
